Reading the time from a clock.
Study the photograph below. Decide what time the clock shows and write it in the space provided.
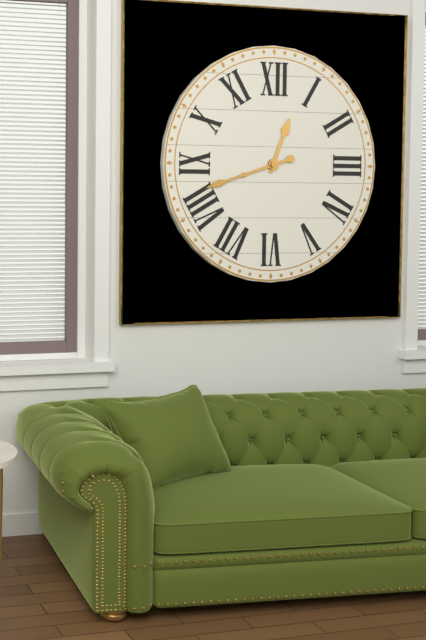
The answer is 12:42
